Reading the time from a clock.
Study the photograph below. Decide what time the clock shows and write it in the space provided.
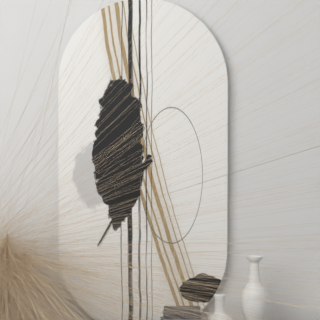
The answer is 7:35
